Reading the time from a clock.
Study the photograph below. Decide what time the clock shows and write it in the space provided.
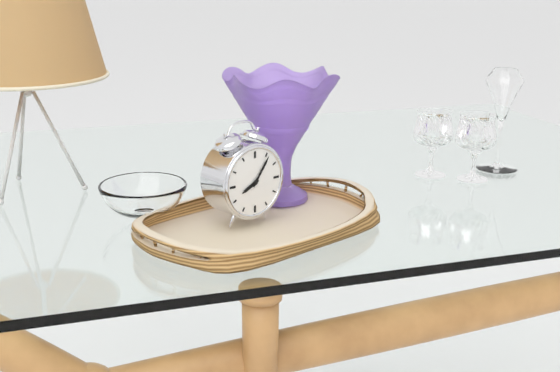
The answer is 8:06
